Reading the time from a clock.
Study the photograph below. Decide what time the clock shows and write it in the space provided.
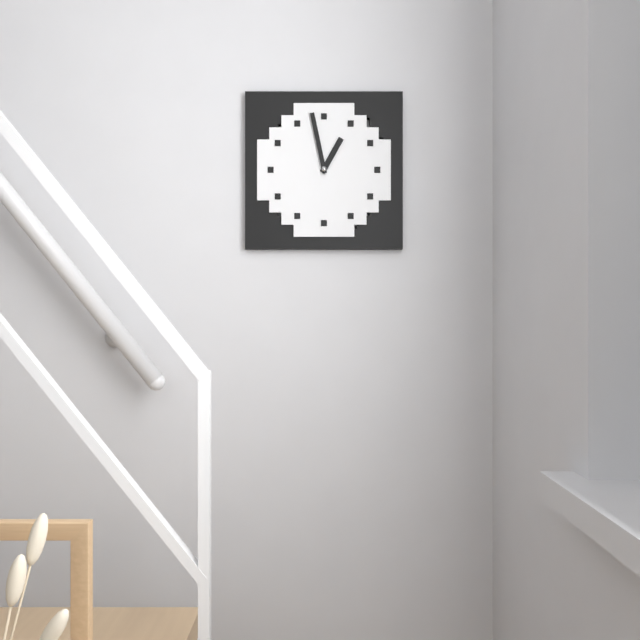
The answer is 12:58
